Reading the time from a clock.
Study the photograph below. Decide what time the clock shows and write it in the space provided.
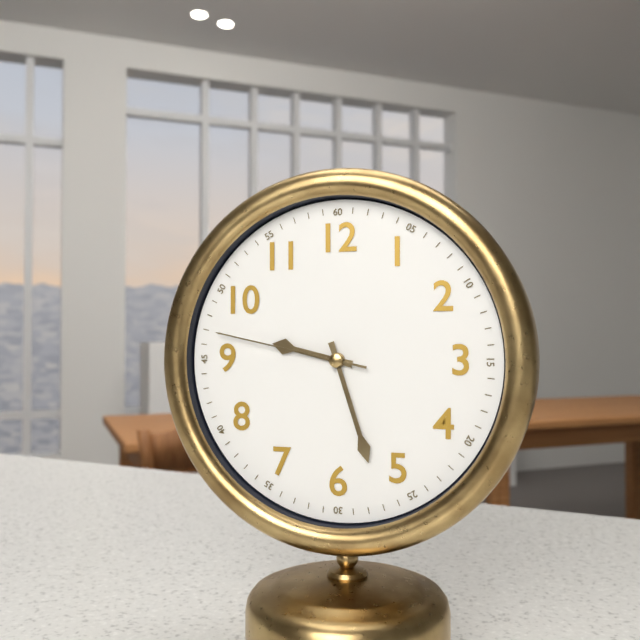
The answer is 9:27:47
